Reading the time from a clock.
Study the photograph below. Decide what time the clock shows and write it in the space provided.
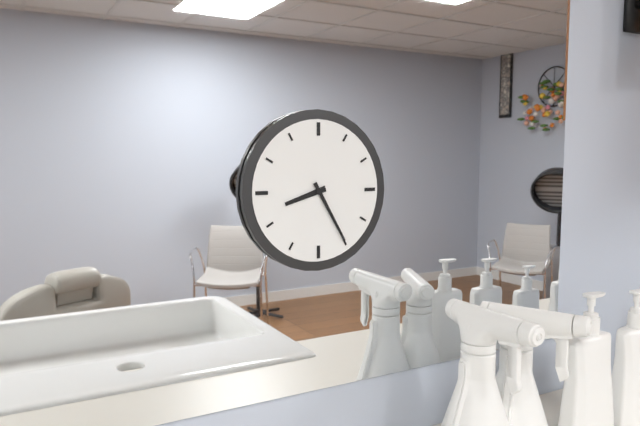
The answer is 8:25
